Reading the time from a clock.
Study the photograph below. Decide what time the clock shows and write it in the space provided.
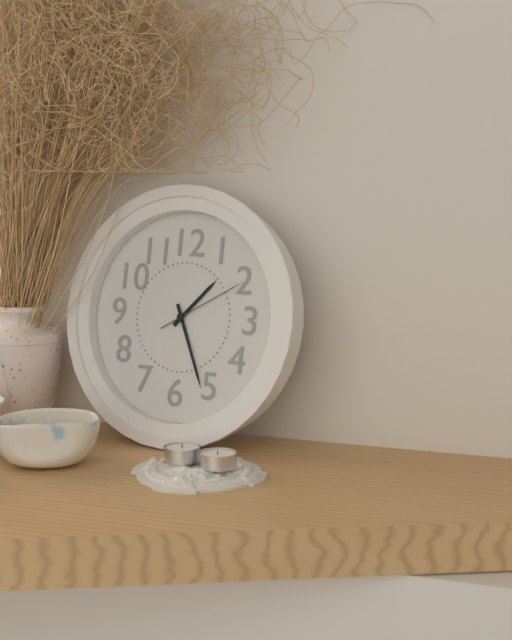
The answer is 1:26:10
